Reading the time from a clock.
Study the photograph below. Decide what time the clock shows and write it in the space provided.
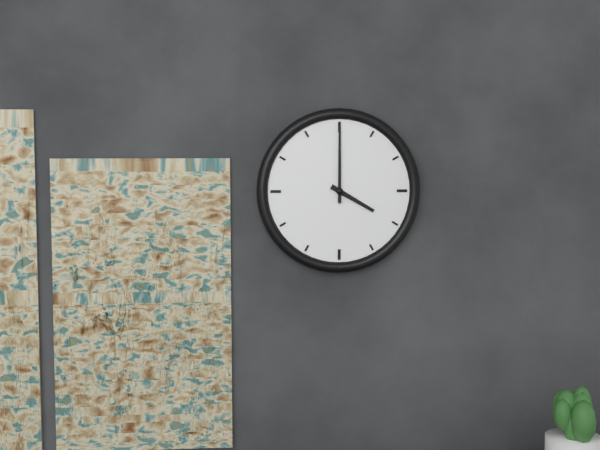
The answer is 4:00
